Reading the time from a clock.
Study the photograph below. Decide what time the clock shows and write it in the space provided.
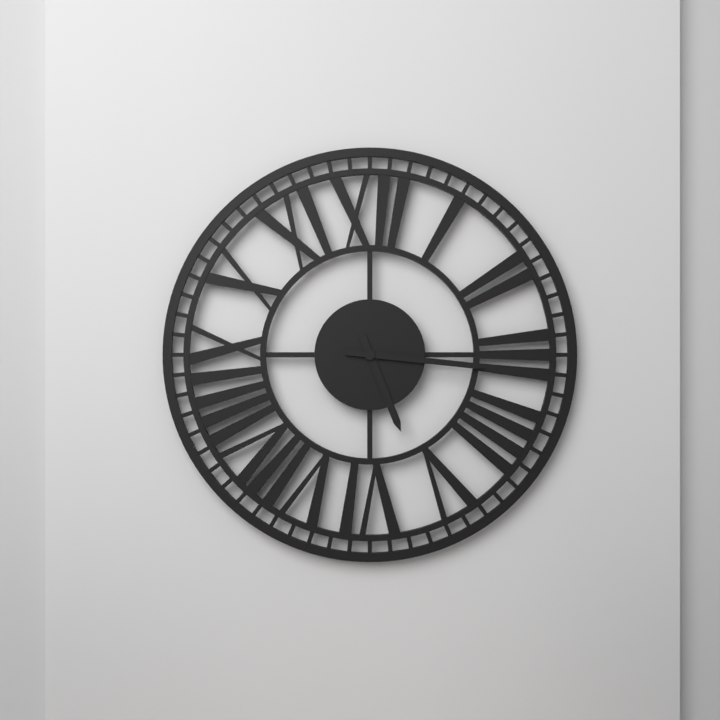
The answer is 5:16
